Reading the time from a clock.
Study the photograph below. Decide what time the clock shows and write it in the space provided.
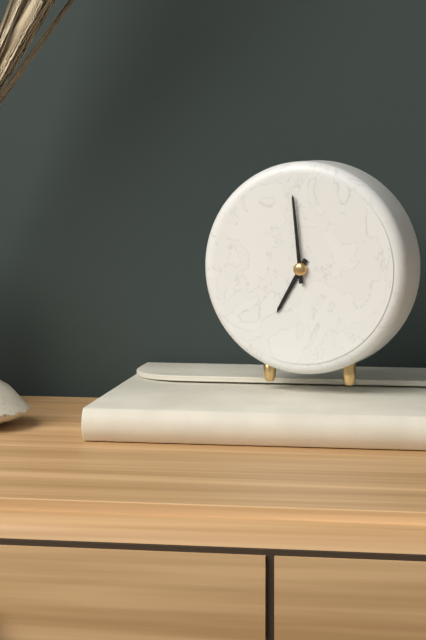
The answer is 6:59
